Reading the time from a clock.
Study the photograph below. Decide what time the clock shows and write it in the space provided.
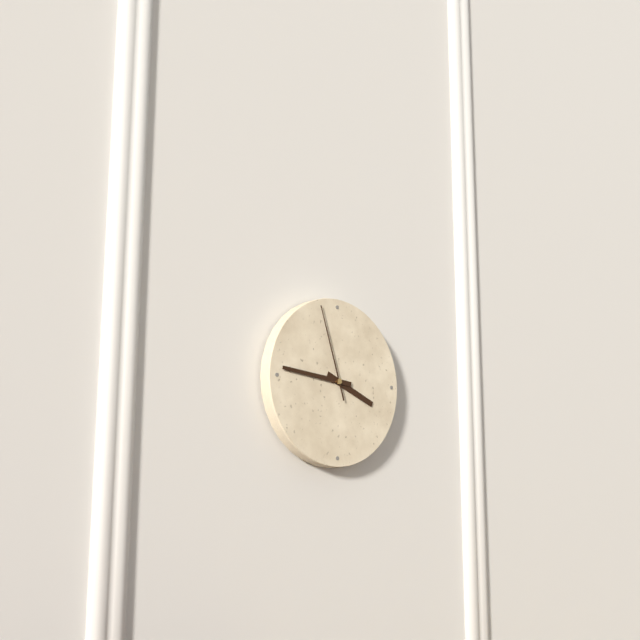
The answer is 3:46:57
